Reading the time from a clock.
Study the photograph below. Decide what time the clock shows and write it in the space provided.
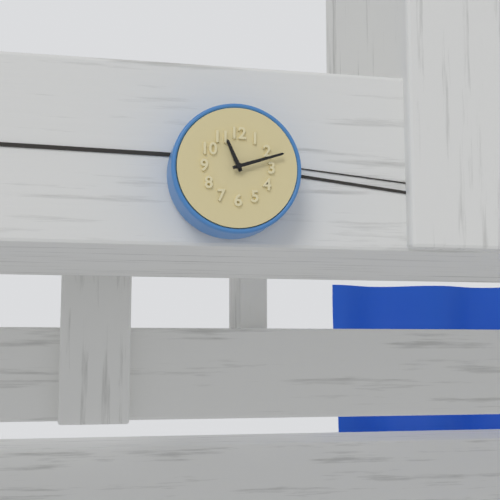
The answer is 11:12
